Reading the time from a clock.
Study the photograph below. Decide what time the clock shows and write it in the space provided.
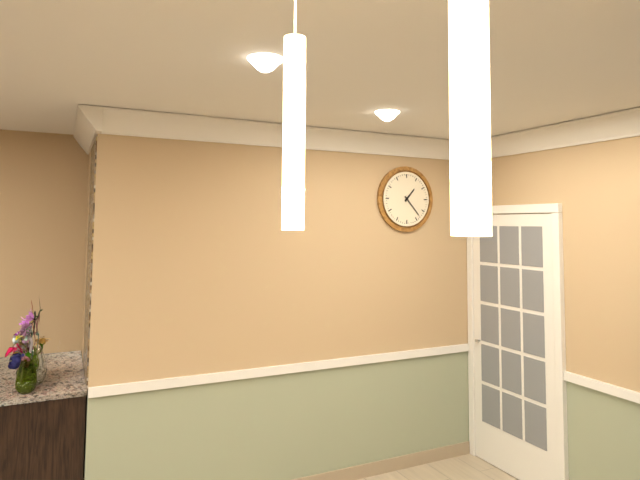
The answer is 1:23
